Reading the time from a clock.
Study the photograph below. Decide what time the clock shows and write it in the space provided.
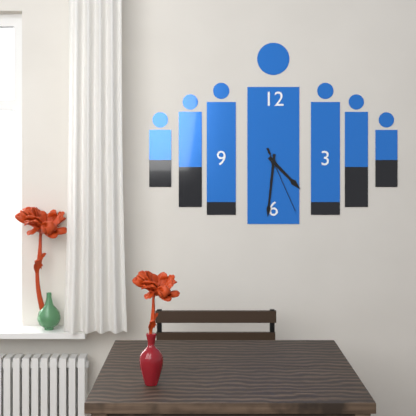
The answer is 4:31:26
